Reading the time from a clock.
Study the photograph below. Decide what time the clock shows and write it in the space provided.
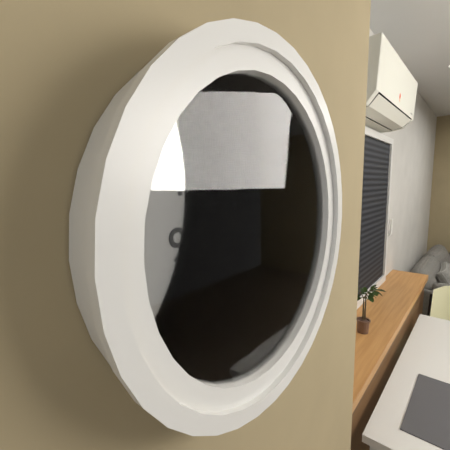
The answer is 7:31
